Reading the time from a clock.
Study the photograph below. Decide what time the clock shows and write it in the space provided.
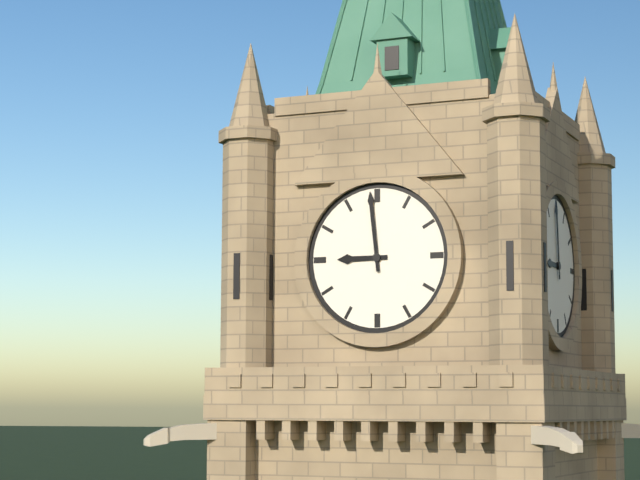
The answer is 8:59
